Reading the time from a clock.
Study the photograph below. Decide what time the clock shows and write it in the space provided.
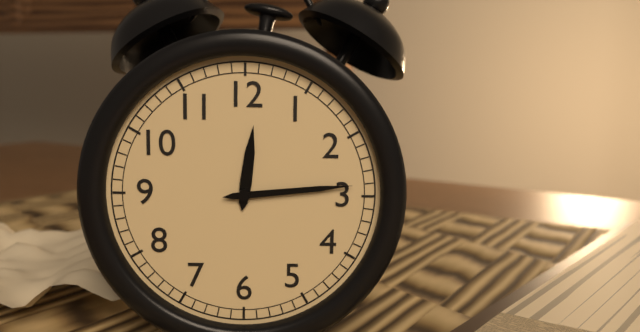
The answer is 12:14
